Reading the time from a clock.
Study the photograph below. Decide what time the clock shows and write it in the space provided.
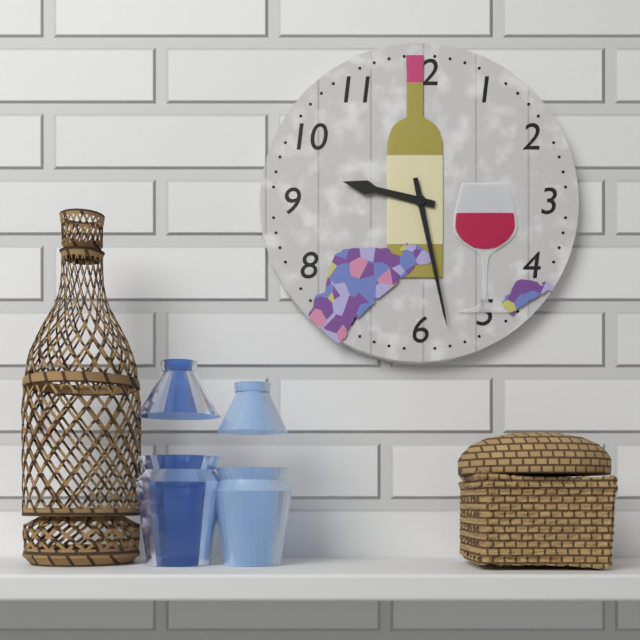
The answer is 9:28
